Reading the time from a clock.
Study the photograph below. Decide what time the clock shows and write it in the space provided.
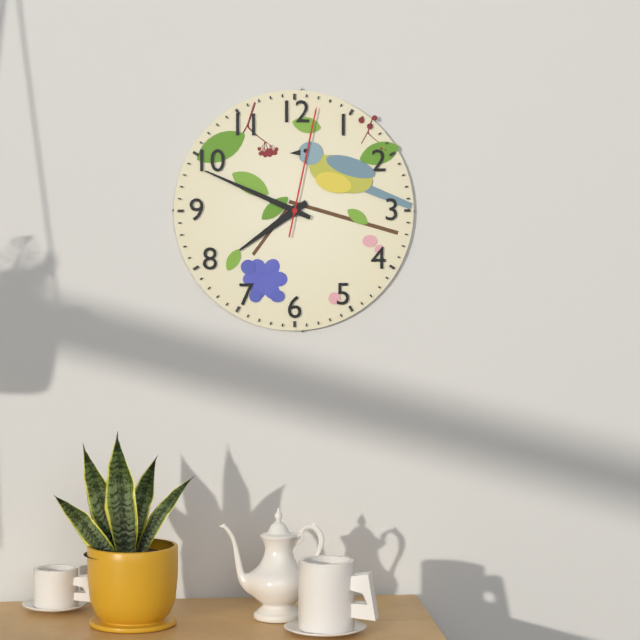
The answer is 7:49:02
